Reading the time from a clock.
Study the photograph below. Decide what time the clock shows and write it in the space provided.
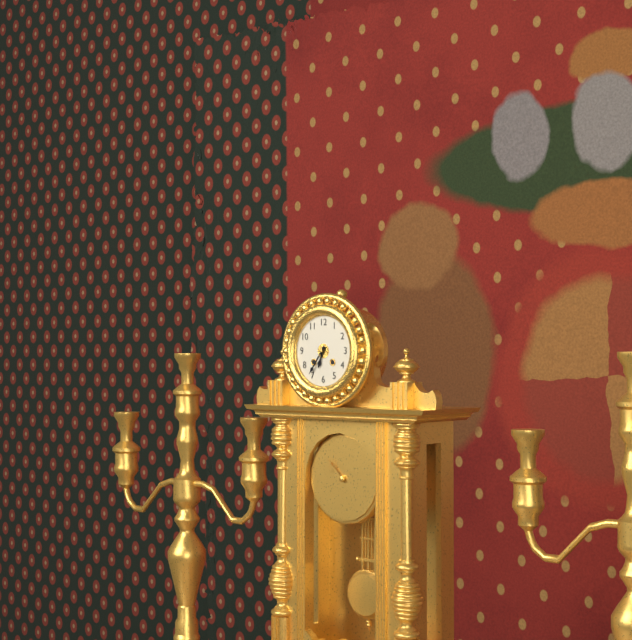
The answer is 6:36
